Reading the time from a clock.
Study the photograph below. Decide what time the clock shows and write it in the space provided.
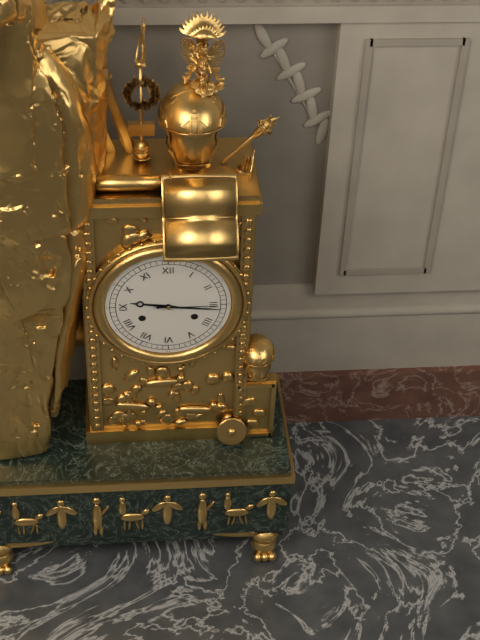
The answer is 9:16:15
